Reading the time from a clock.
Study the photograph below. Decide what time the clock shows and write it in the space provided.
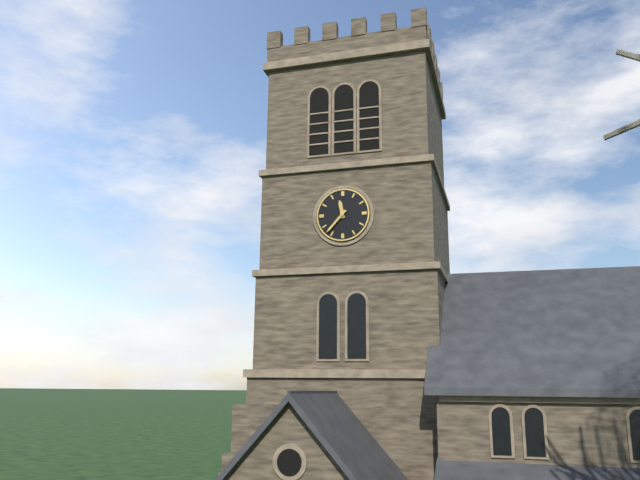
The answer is 11:37
